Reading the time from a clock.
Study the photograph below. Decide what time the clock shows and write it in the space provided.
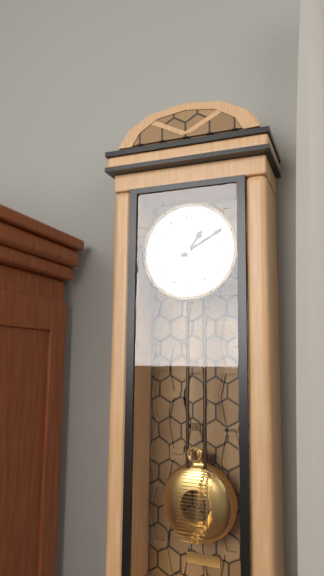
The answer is 1:10
